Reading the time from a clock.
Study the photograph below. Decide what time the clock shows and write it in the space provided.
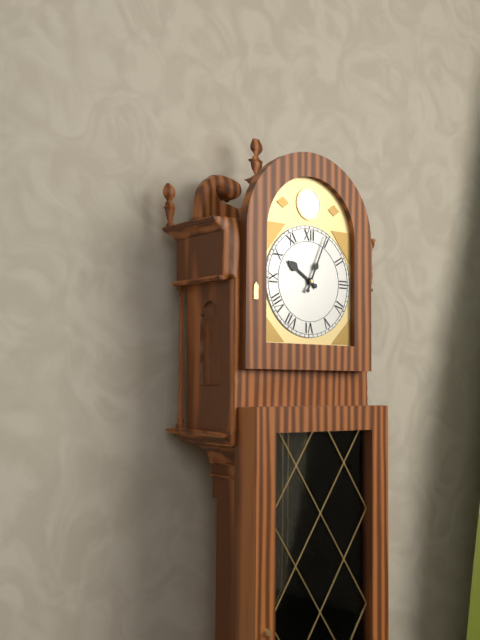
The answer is 10:04
